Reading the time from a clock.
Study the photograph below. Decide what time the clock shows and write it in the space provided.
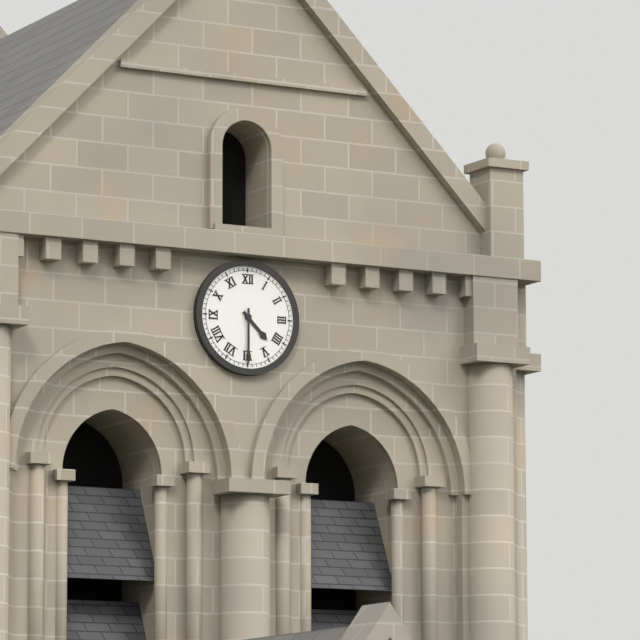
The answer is 4:30
